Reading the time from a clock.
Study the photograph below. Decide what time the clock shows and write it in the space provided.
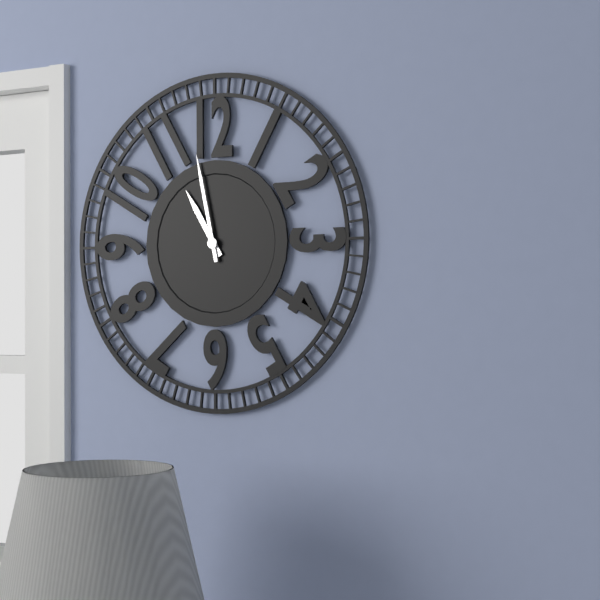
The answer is 10:58
